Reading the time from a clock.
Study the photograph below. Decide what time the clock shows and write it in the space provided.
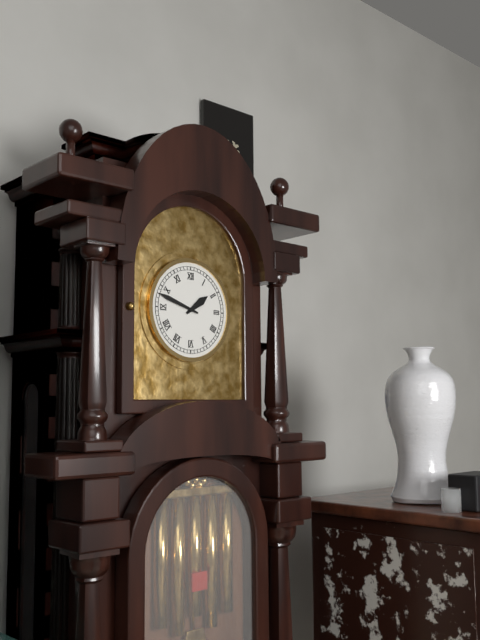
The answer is 1:48
